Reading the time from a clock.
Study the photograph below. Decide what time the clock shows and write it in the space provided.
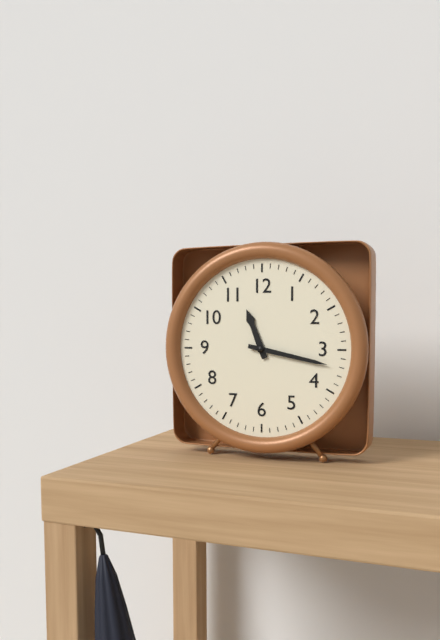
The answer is 11:17
